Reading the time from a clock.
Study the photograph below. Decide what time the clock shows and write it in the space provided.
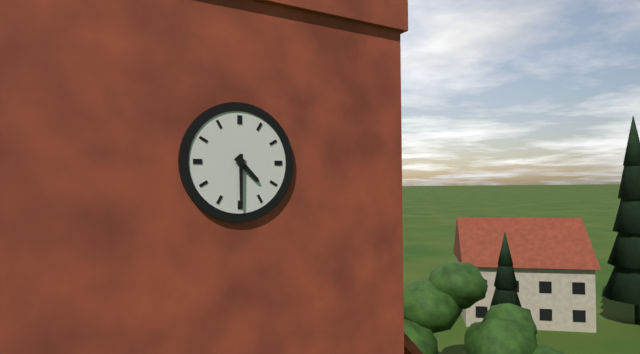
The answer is 4:30
